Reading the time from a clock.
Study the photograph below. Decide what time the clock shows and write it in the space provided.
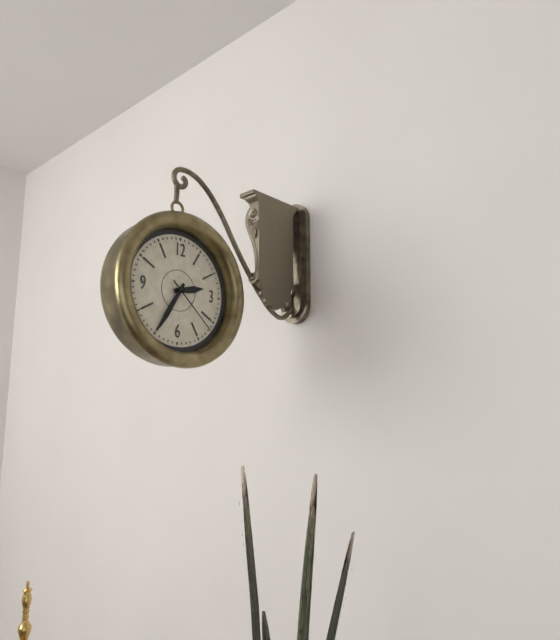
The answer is 2:35:22
